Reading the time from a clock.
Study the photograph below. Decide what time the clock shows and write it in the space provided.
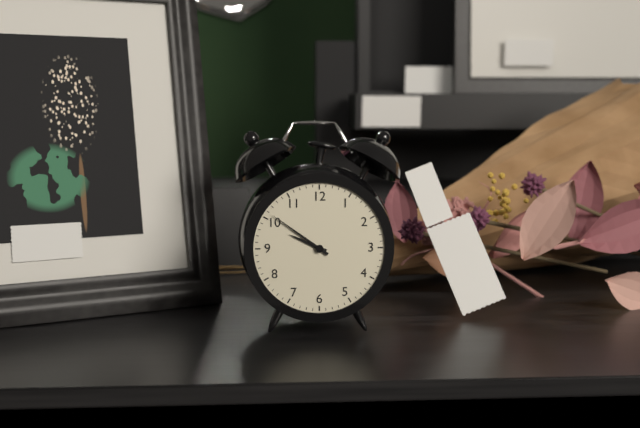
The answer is 9:51
